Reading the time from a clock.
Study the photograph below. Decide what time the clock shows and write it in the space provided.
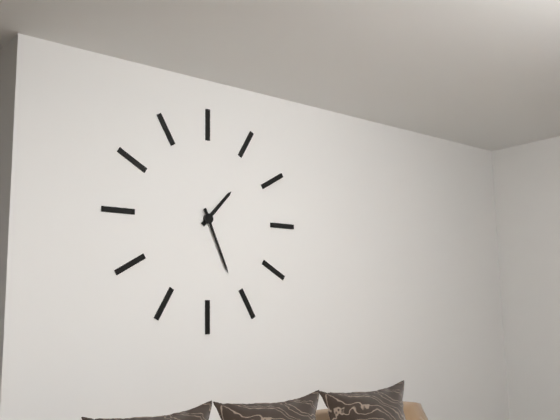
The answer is 1:26
